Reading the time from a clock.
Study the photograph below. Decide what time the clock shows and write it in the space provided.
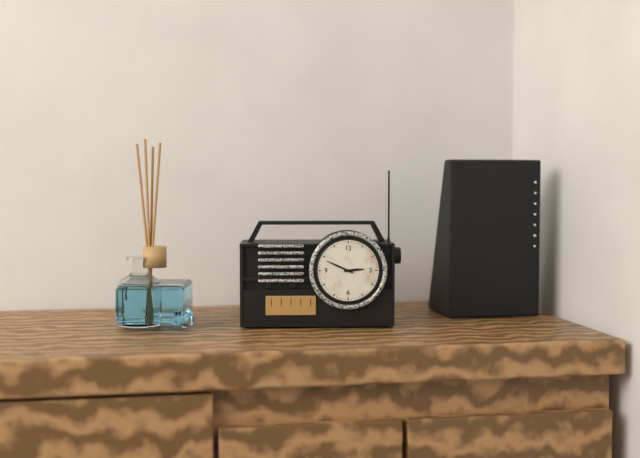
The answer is 2:49
